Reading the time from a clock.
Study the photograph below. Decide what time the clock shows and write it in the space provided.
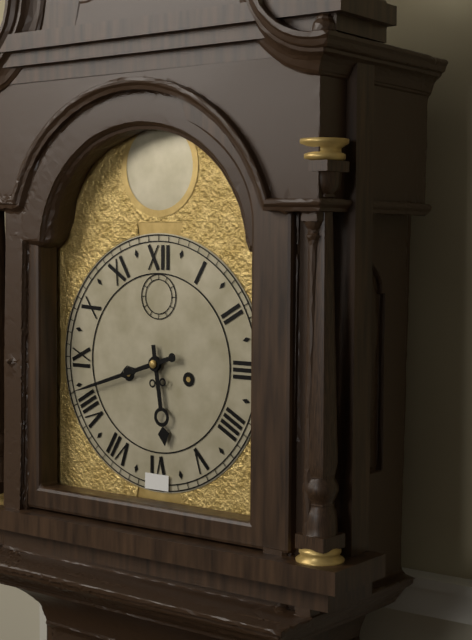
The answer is 5:42
